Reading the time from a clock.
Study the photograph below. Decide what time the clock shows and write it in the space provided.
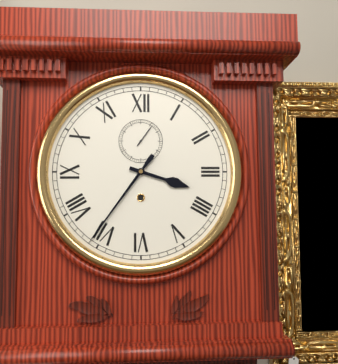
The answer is 3:36
